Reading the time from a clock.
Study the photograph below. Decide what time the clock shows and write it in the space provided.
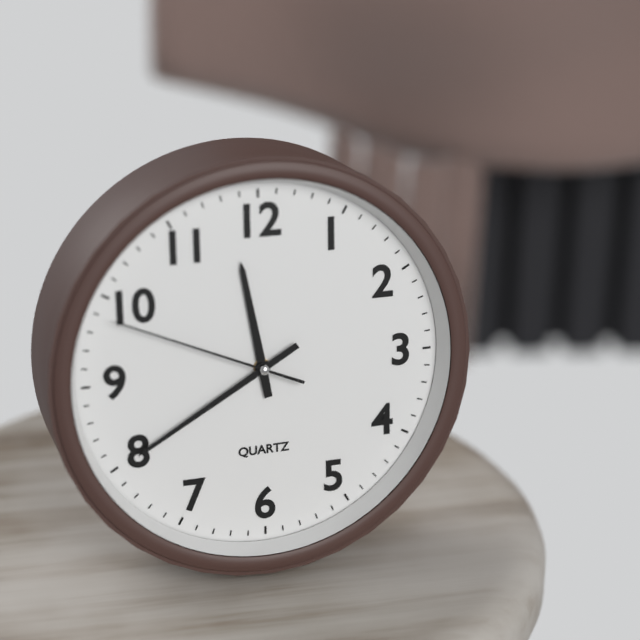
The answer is 11:40:49
